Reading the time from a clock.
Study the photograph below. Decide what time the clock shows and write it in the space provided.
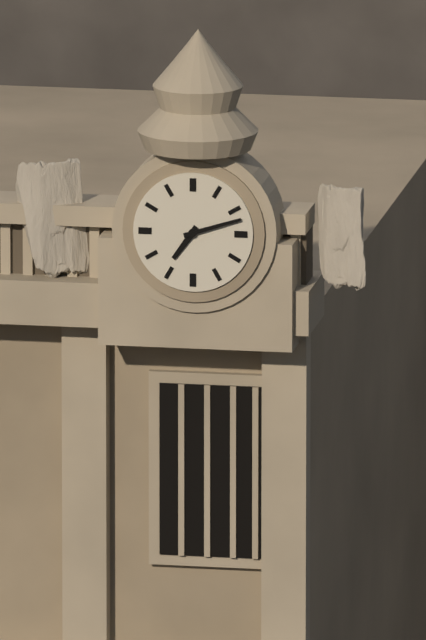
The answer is 7:12
